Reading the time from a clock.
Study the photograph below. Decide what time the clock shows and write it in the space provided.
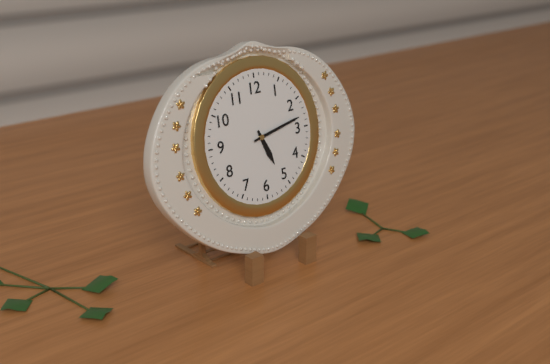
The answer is 5:13
